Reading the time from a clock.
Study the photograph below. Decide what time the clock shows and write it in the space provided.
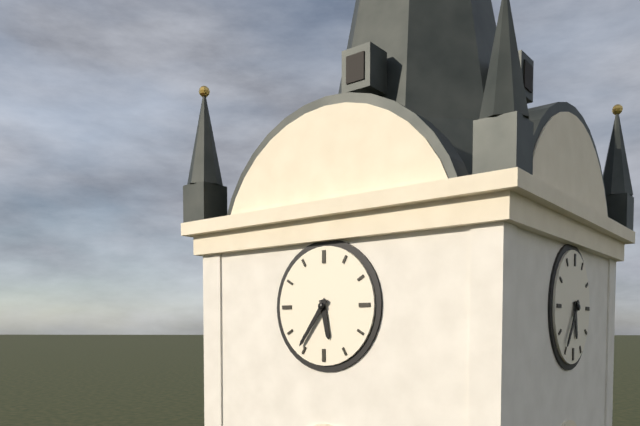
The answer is 5:36
